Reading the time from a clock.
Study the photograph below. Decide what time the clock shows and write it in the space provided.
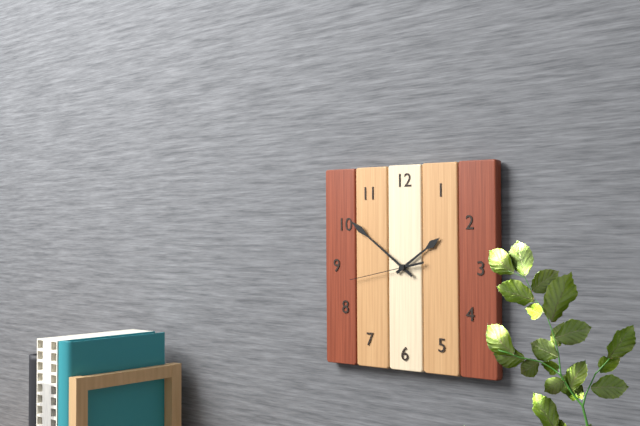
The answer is 1:51:43
